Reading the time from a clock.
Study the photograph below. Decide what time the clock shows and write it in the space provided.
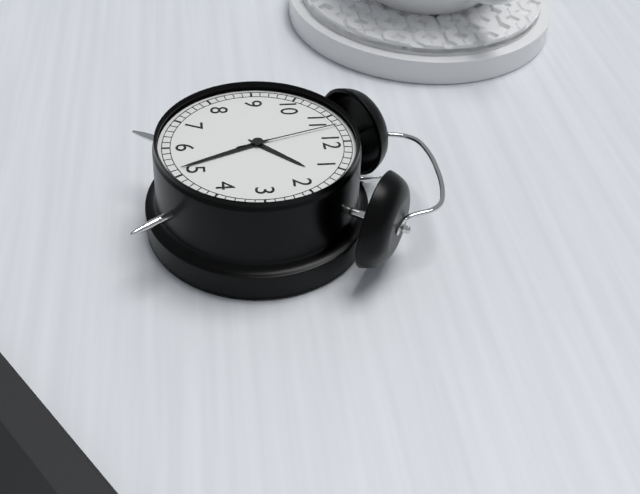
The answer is 1:26:57
